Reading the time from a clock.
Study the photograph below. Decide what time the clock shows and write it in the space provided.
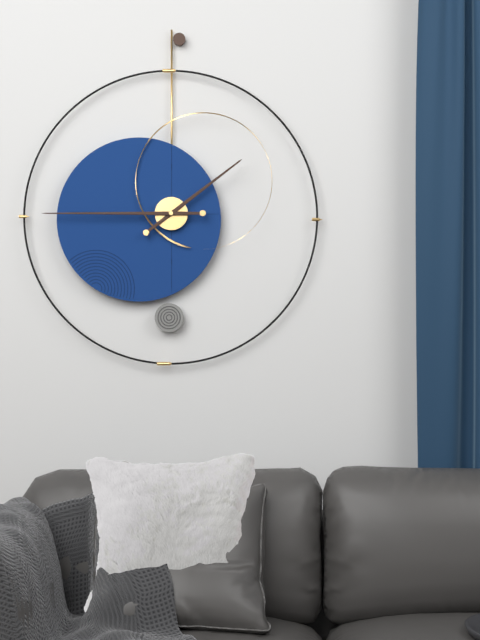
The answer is 1:45
